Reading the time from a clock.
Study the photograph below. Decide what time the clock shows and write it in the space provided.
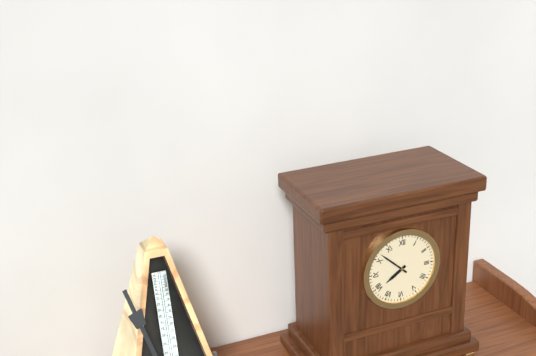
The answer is 7:52
